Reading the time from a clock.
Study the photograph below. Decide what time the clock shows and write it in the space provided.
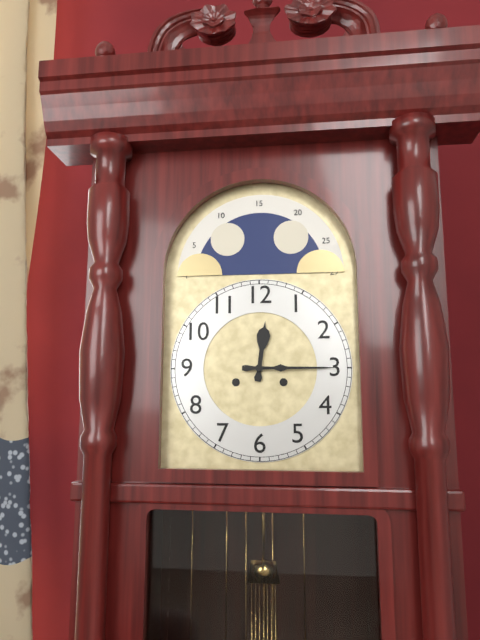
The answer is 12:15
